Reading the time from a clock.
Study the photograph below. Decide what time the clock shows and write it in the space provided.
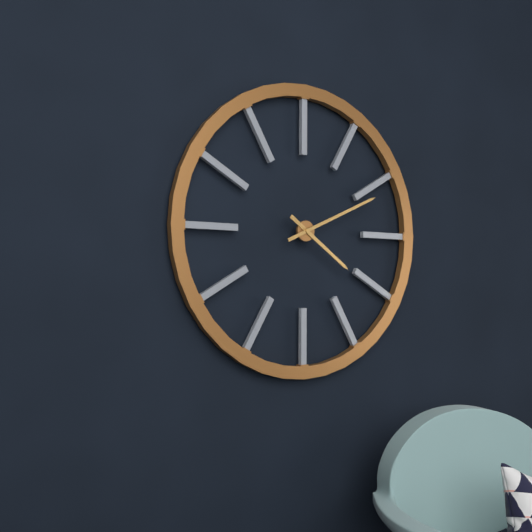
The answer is 4:11
